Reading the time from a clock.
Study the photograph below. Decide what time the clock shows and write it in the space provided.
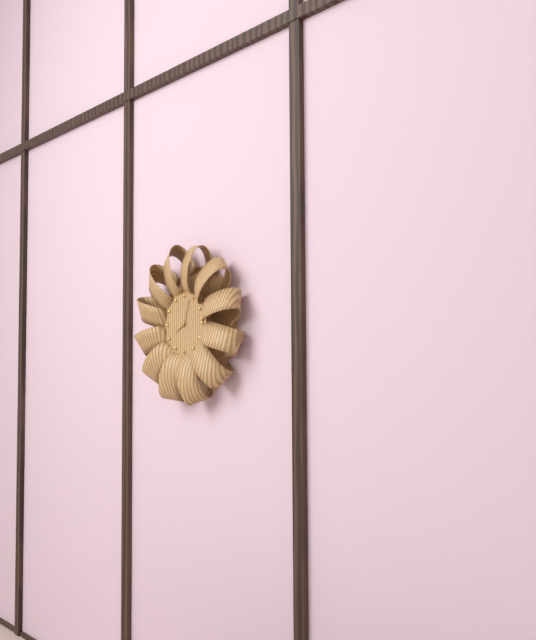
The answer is 8:03
